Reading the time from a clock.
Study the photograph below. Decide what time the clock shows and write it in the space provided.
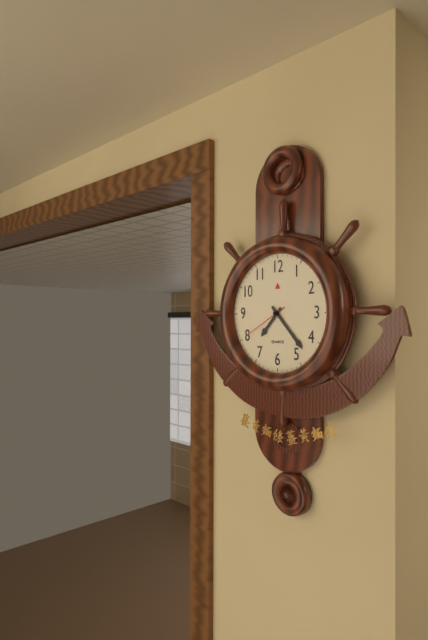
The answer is 7:23
